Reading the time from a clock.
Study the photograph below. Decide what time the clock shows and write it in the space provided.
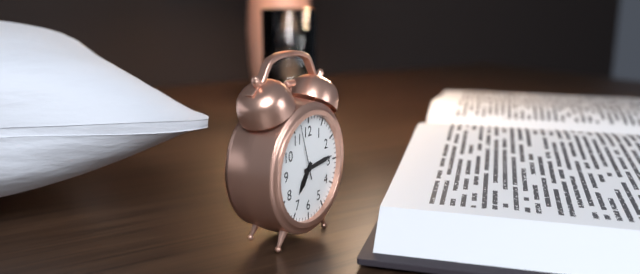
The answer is 7:14:57
